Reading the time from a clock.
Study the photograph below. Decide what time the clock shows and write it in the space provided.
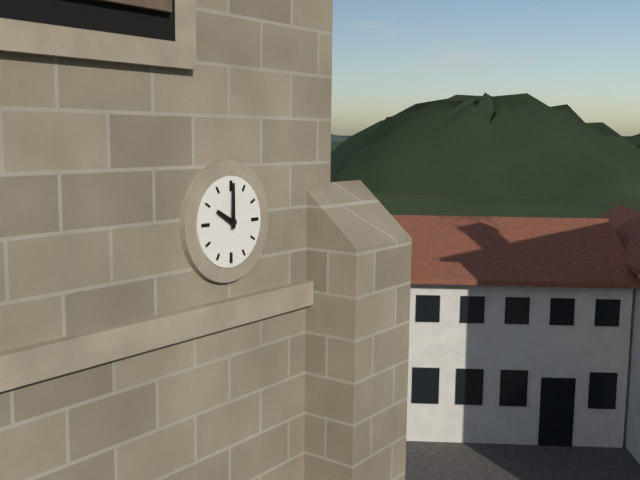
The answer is 10:00
